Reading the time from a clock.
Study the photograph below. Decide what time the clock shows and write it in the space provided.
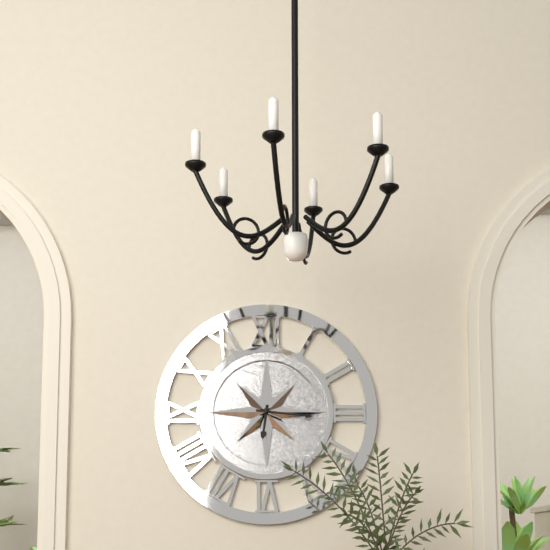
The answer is 6:16
